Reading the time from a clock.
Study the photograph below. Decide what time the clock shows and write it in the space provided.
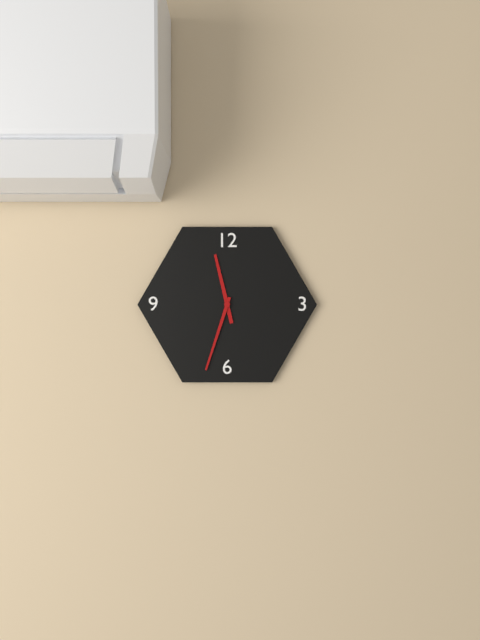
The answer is 11:33
